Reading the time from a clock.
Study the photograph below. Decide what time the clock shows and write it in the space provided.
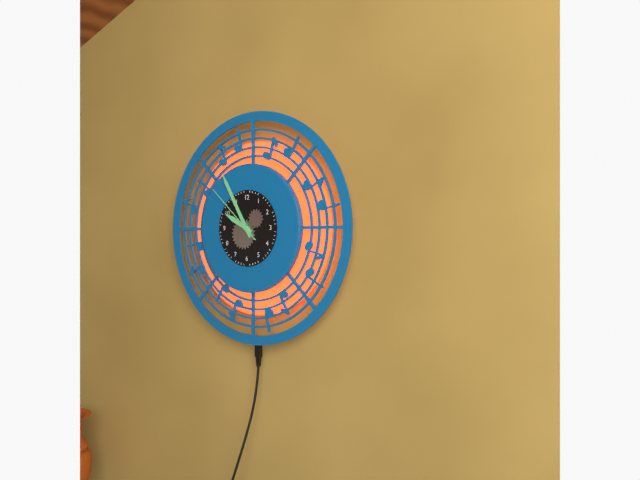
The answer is 9:55:52
